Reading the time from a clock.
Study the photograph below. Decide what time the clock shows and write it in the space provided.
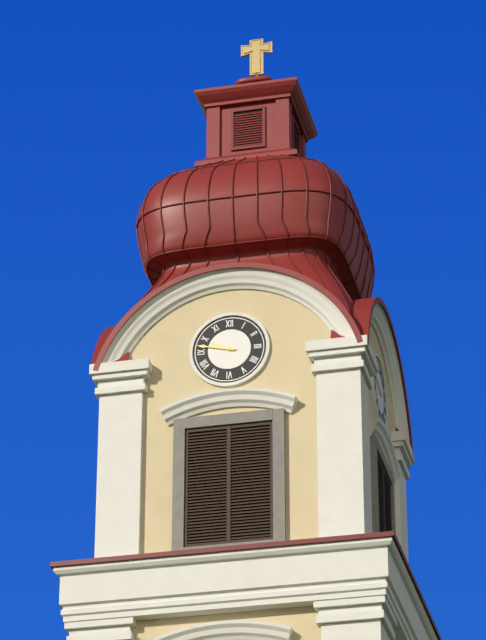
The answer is 9:47
